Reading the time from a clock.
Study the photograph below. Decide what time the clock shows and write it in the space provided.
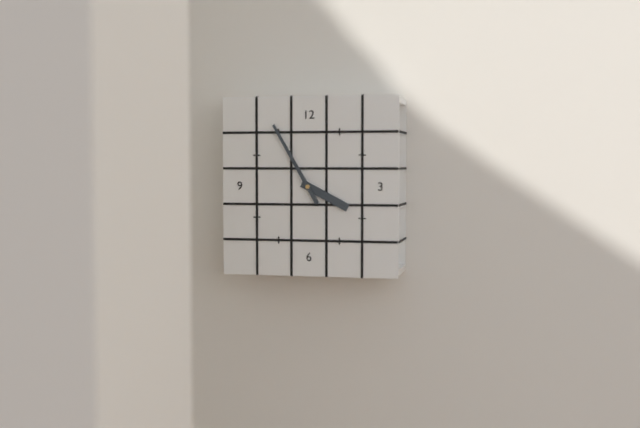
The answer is 3:55
